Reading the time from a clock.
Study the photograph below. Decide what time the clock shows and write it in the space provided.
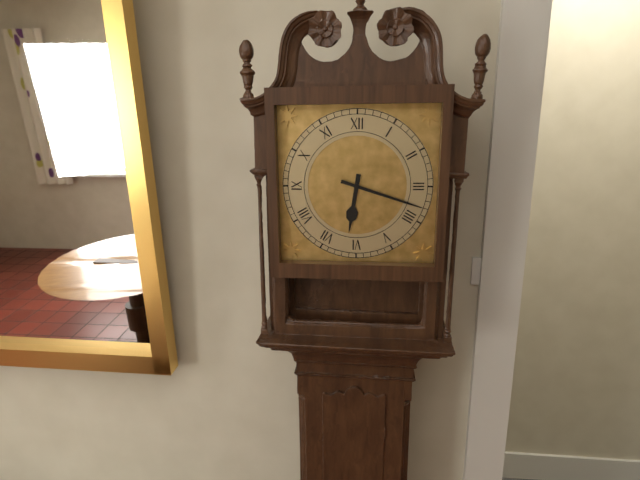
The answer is 6:18
